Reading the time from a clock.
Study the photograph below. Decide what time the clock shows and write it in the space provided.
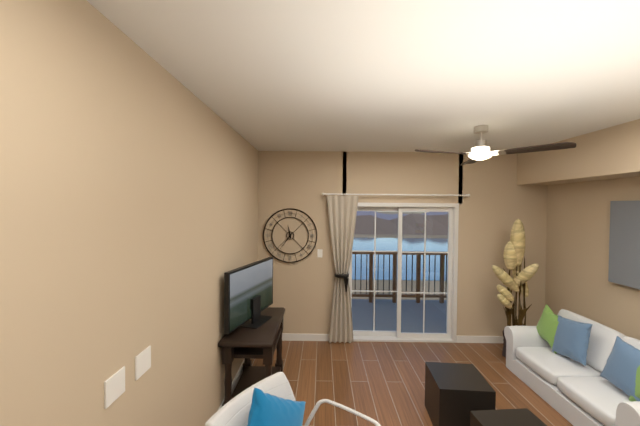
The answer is 11:36
